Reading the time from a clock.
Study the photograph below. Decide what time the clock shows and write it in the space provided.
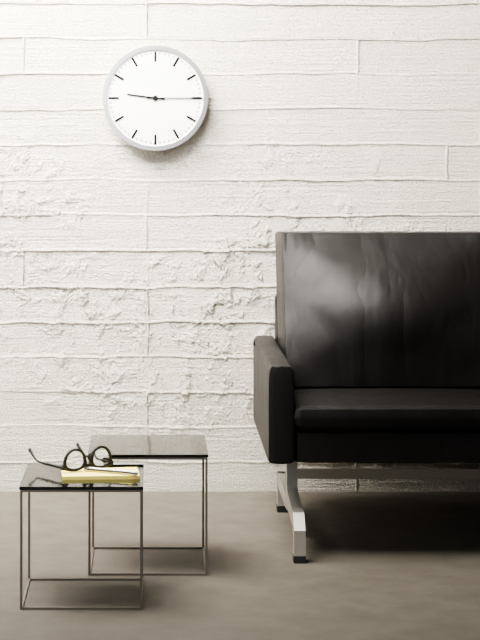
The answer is 9:15
